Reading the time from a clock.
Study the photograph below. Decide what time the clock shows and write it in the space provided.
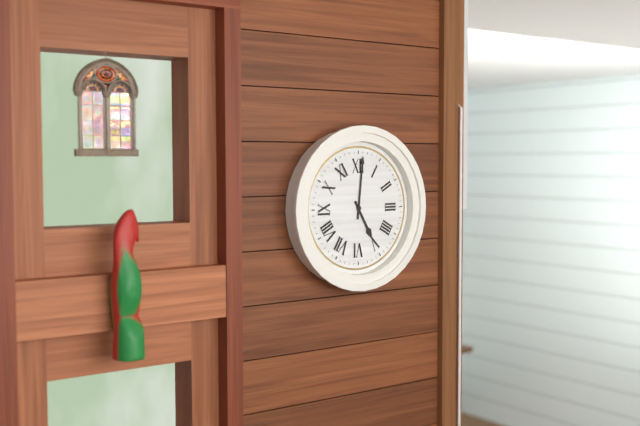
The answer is 5:01
